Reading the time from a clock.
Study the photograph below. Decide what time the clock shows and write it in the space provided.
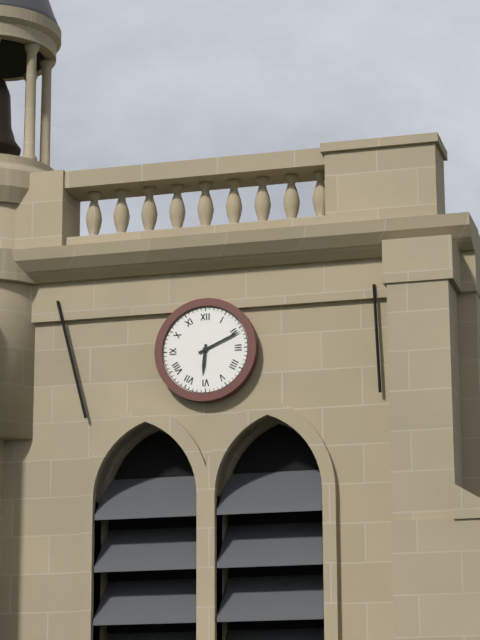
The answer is 6:11
